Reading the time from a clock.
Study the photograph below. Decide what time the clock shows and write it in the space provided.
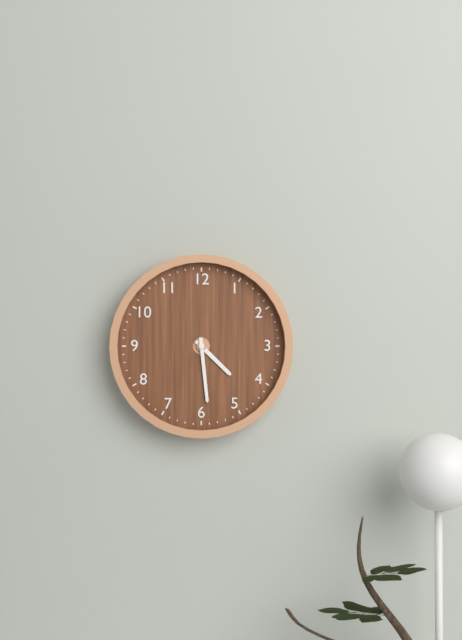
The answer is 4:29
